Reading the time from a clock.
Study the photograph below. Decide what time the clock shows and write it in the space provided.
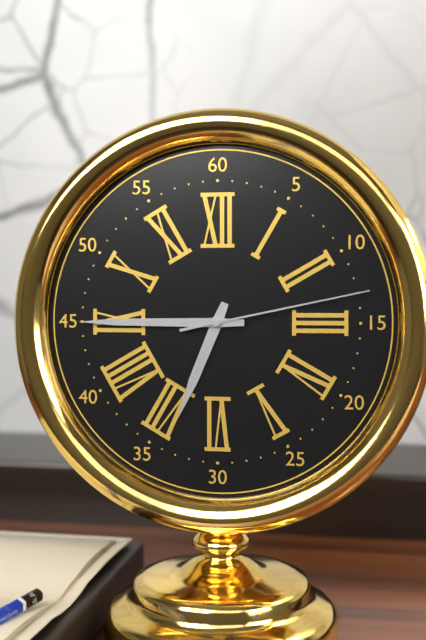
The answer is 6:45:13
